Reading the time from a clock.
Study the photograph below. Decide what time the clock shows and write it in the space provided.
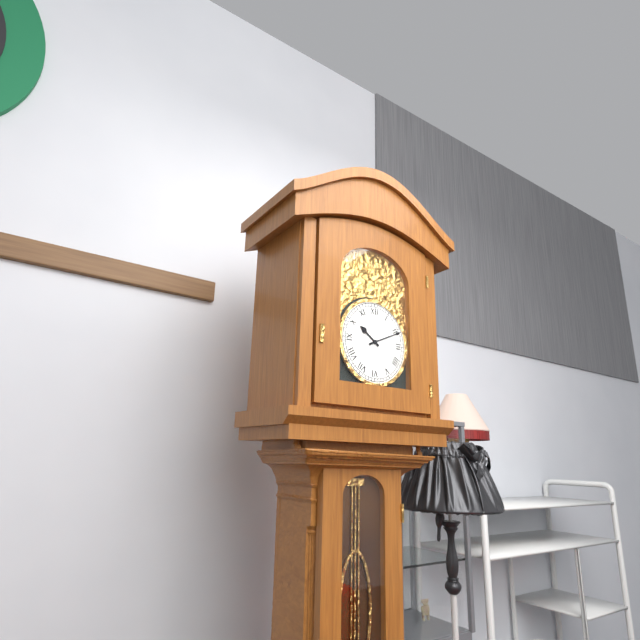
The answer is 10:11
